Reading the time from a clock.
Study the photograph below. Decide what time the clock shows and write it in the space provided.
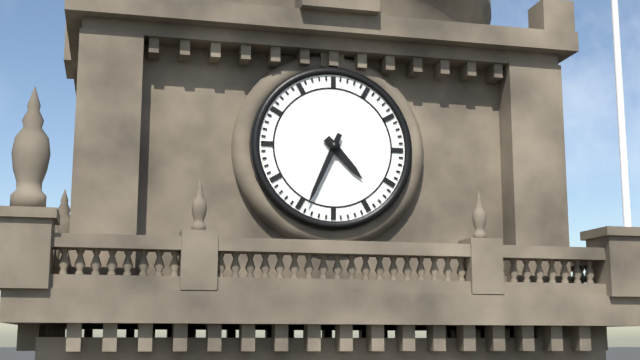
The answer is 4:34
